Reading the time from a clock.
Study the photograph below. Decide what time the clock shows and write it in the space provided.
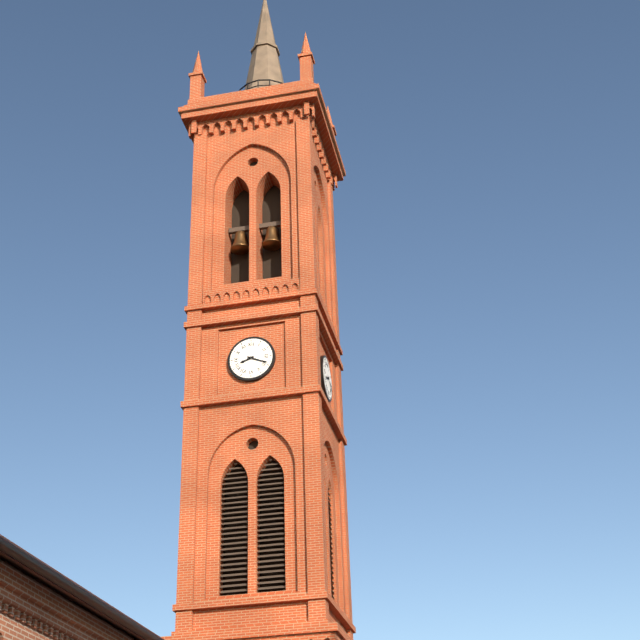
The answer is 8:19
